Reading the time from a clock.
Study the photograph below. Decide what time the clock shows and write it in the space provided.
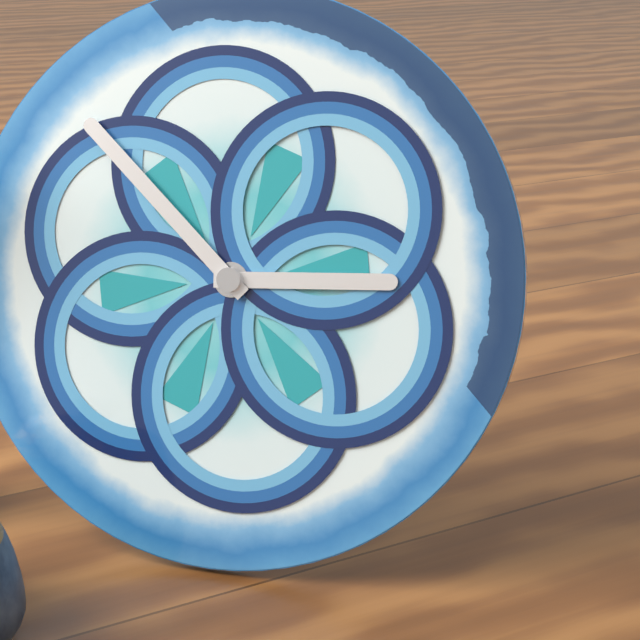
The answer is 2:52
